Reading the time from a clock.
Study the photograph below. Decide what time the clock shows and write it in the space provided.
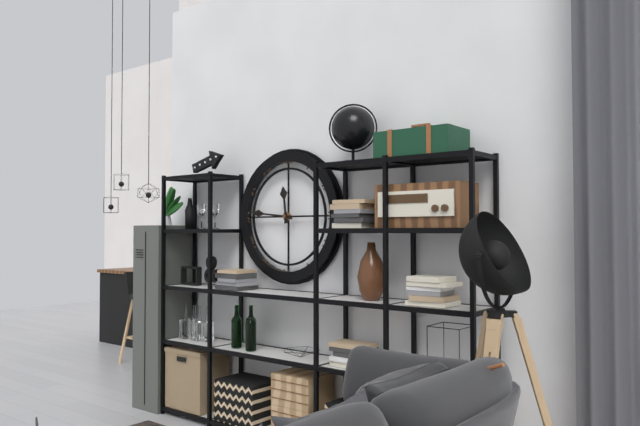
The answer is 11:46
